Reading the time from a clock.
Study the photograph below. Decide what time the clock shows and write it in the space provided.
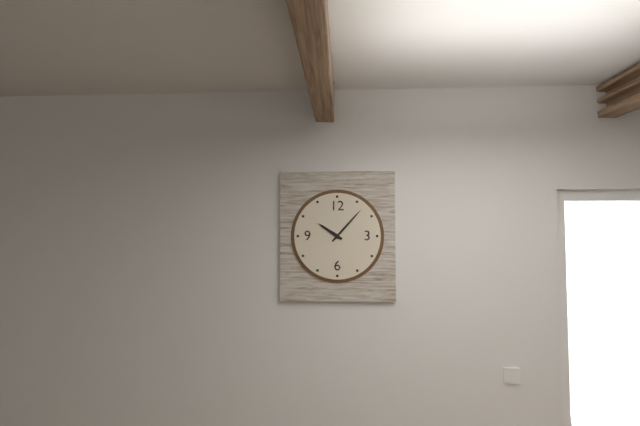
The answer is 10:07
